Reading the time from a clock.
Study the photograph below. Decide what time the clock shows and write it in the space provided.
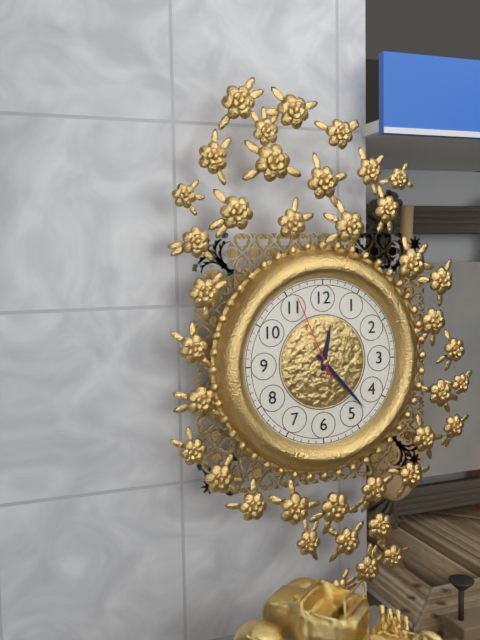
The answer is 12:23:56
